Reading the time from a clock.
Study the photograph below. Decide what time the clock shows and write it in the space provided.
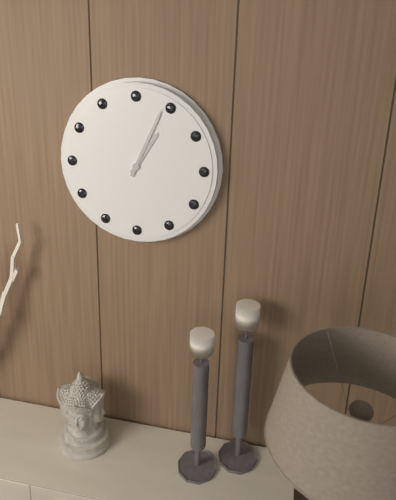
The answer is 1:04
